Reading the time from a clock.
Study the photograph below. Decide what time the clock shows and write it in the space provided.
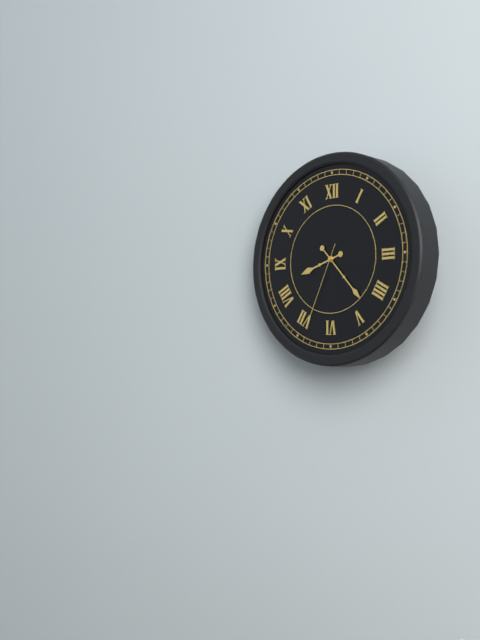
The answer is 8:23:34
